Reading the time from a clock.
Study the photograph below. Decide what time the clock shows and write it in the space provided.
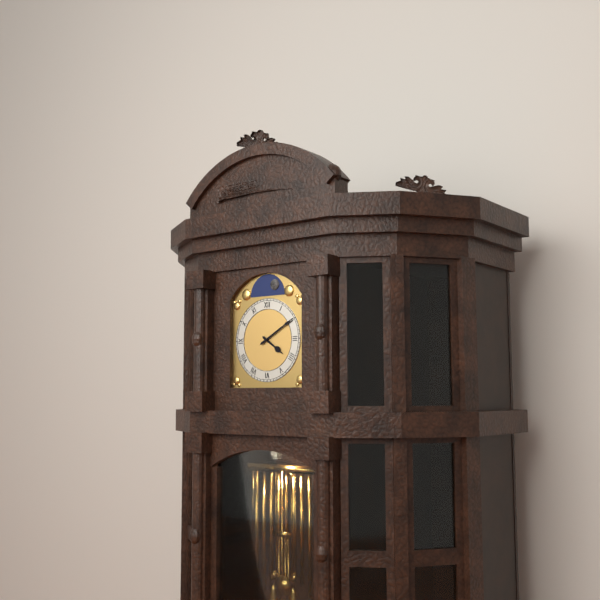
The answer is 4:10
